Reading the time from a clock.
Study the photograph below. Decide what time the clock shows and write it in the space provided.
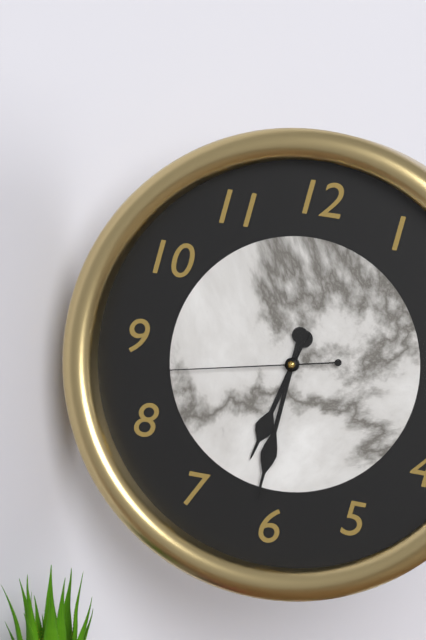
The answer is 6:31:43
